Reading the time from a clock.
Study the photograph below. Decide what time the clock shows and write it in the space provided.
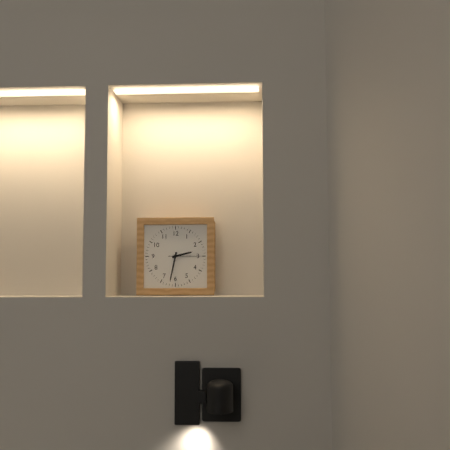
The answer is 2:32
